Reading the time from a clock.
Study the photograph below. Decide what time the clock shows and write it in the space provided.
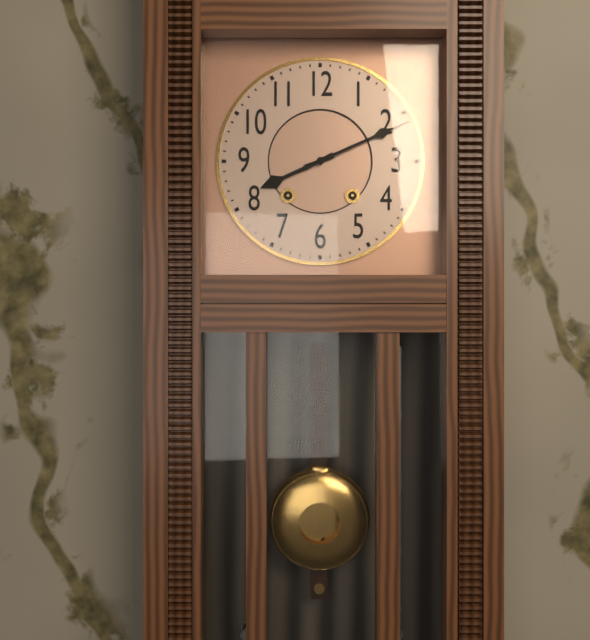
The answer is 8:11
